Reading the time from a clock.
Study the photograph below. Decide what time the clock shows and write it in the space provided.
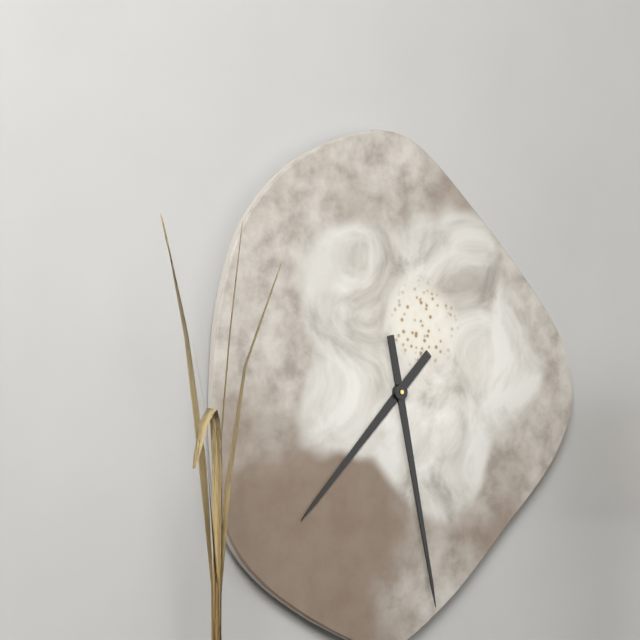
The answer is 7:28
